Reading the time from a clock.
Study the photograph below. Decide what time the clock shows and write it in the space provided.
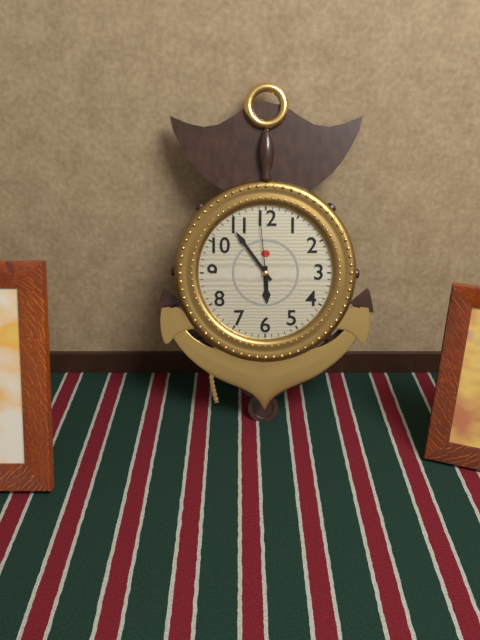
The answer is 5:54:59
